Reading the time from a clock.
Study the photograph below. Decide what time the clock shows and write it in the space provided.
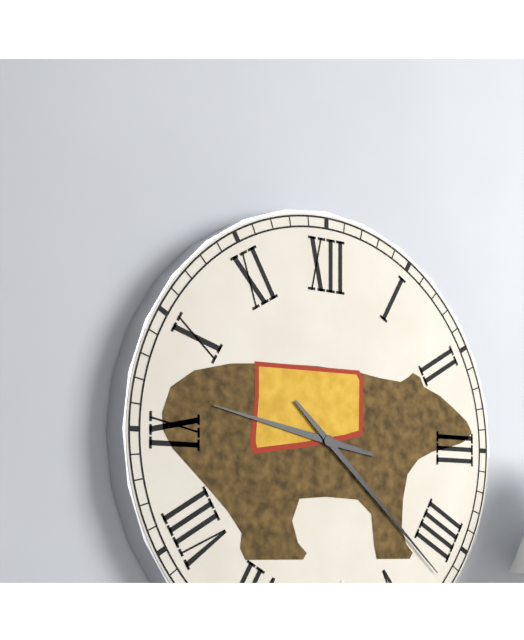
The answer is 9:22
